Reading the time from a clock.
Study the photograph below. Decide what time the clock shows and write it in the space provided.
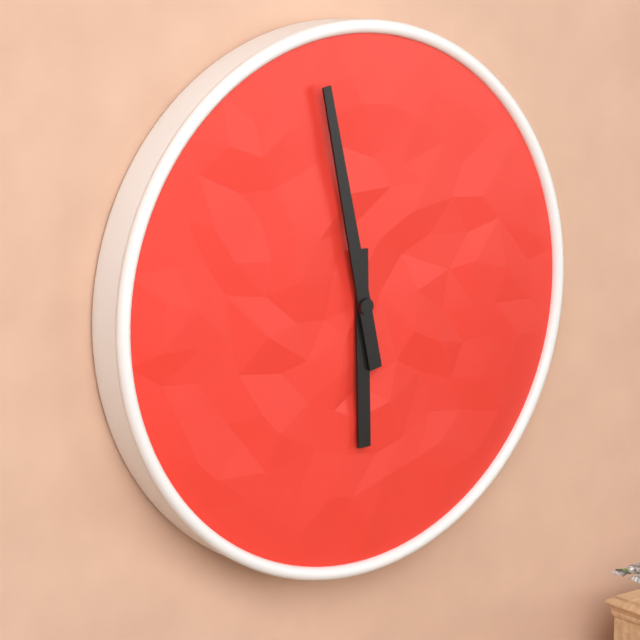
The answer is 5:58
